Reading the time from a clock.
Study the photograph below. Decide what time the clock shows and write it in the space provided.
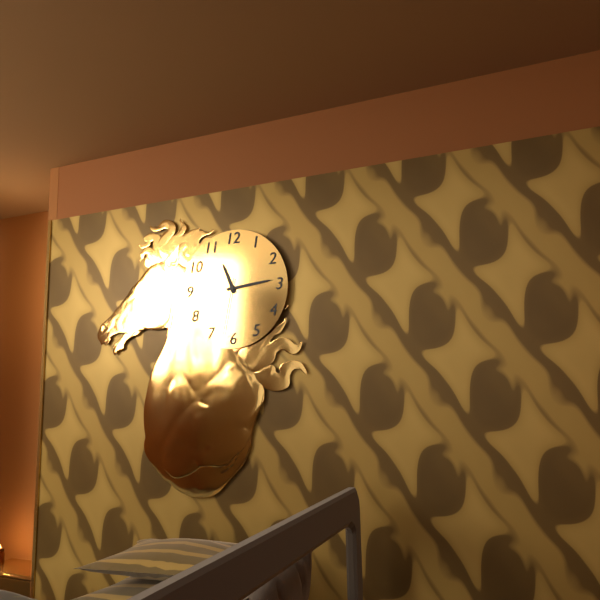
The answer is 11:14:32
